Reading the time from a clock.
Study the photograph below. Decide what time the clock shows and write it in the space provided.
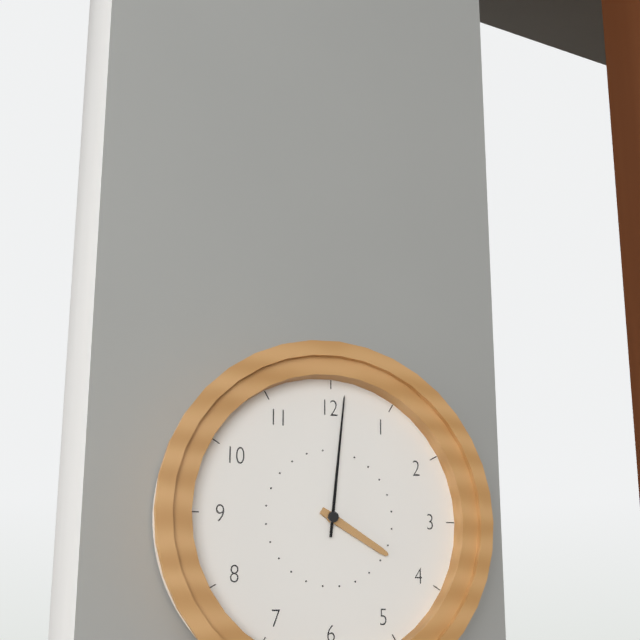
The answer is 4:01
